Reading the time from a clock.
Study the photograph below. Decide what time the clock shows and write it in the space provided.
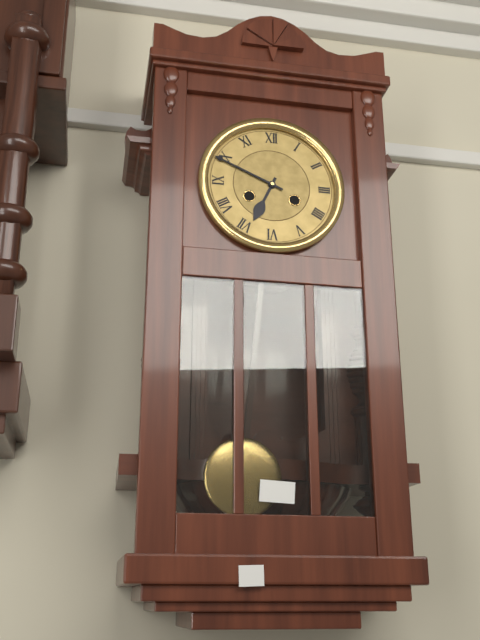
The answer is 6:49
